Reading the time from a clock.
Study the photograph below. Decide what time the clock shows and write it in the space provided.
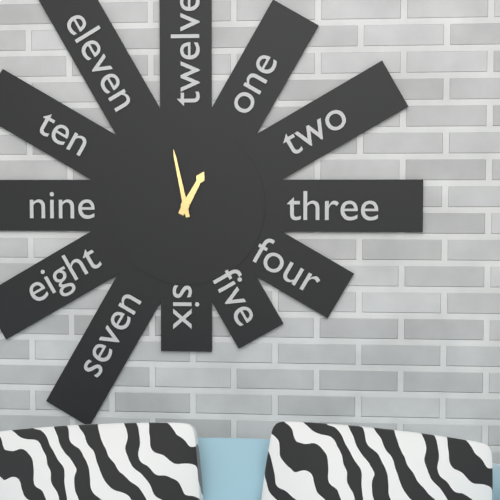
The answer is 12:58
